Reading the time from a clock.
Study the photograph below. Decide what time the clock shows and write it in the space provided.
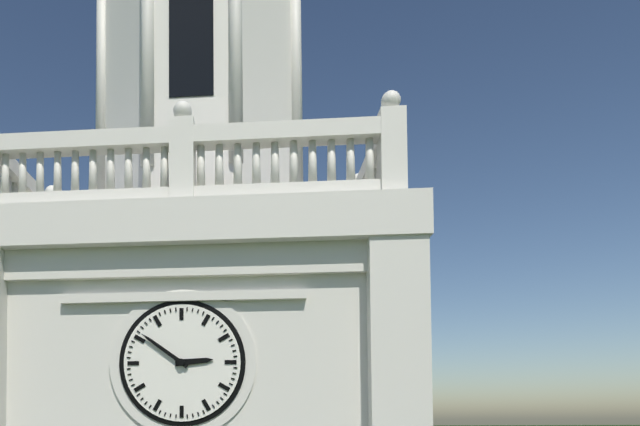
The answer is 2:51
